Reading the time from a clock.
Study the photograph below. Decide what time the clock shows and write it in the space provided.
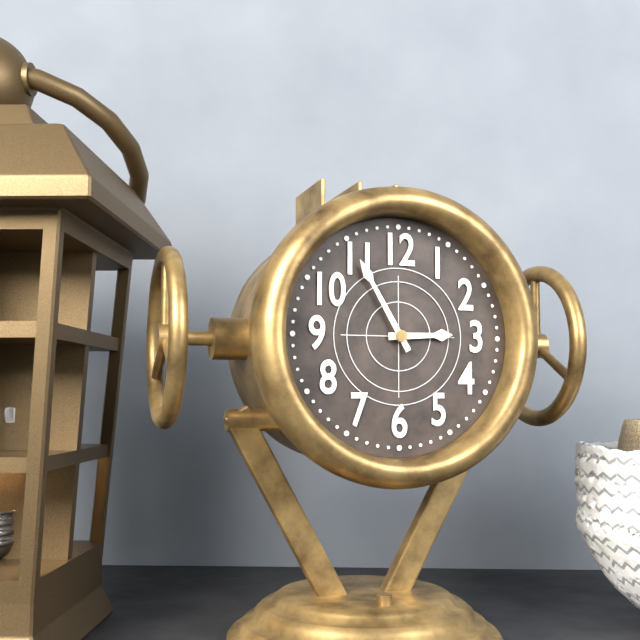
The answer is 2:55
